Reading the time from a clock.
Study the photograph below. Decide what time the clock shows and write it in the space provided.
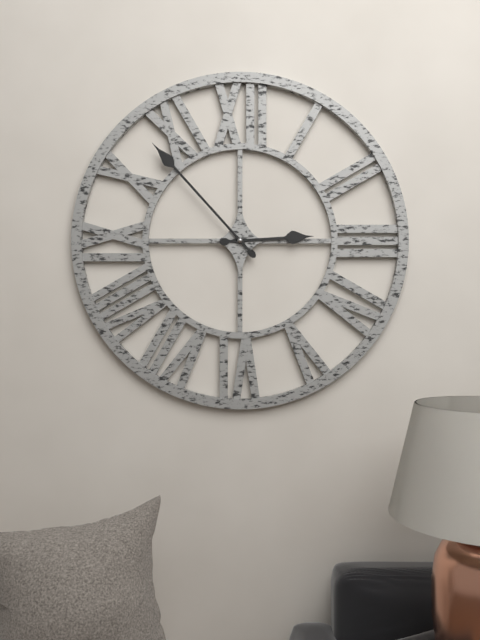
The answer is 2:53
